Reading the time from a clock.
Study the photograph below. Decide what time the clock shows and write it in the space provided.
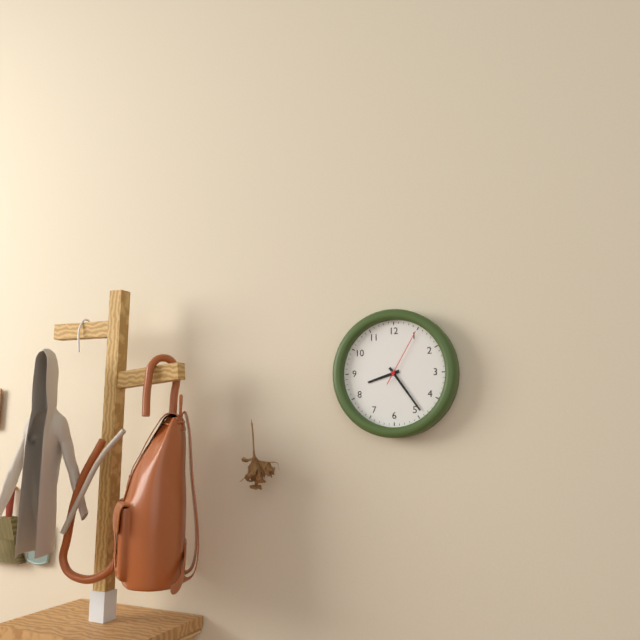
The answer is 8:24:05
